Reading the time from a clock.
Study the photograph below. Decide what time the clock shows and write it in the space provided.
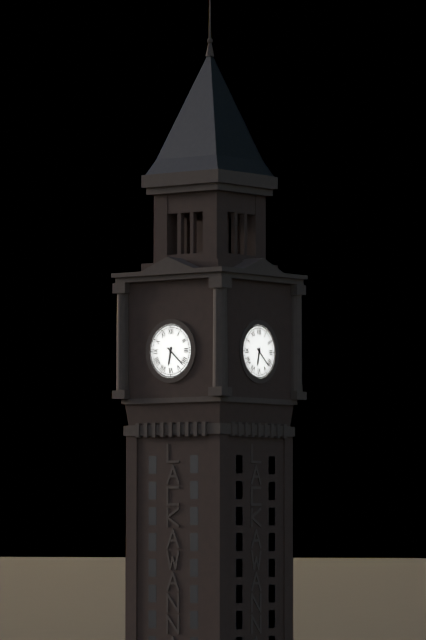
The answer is 6:22
